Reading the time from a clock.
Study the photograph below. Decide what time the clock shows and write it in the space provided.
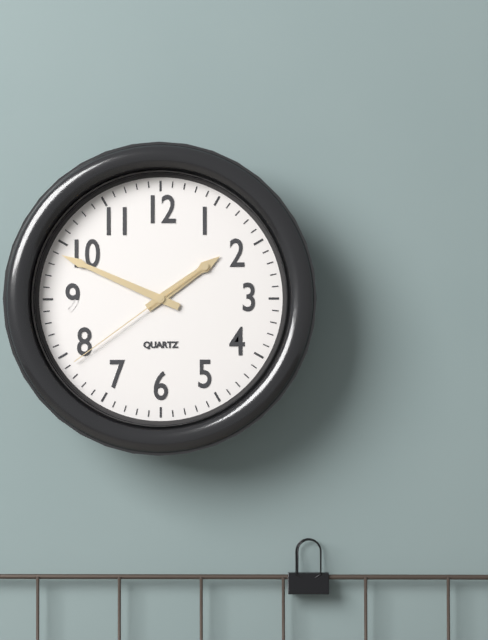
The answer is 1:49:39
